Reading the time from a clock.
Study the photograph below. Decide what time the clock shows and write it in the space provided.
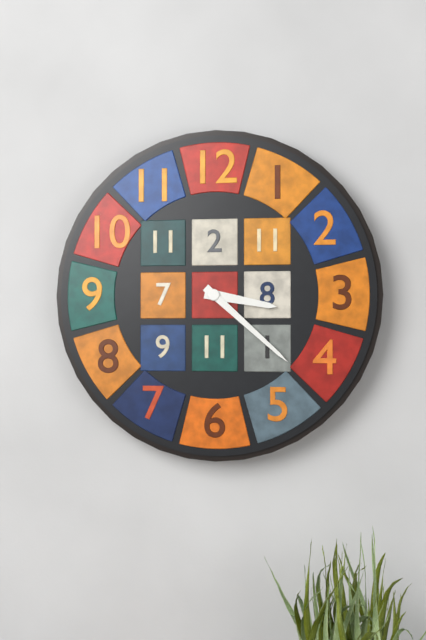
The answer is 3:22
